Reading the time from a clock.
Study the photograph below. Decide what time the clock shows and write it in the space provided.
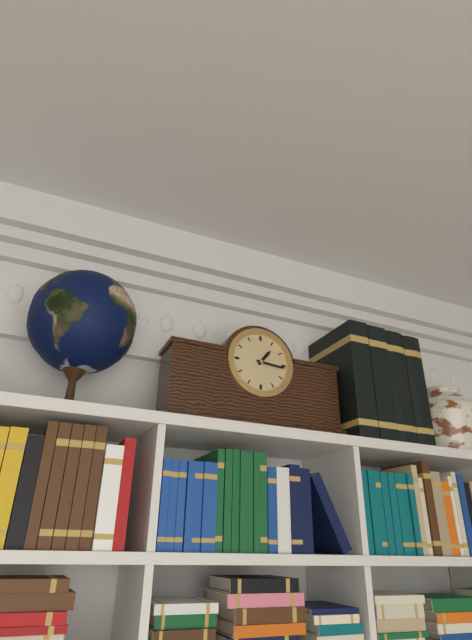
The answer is 1:16
